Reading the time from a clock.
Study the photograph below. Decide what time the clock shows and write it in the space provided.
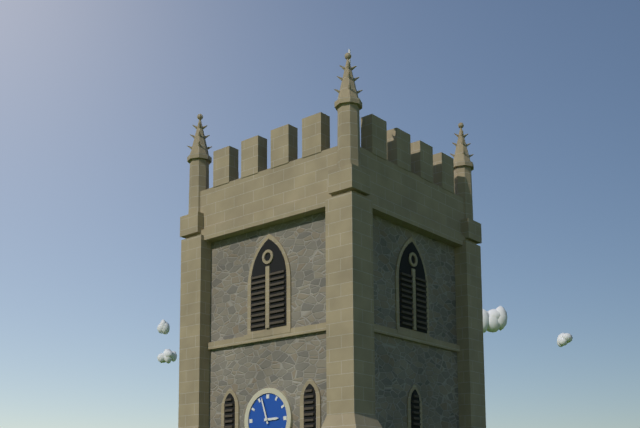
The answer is 2:57
